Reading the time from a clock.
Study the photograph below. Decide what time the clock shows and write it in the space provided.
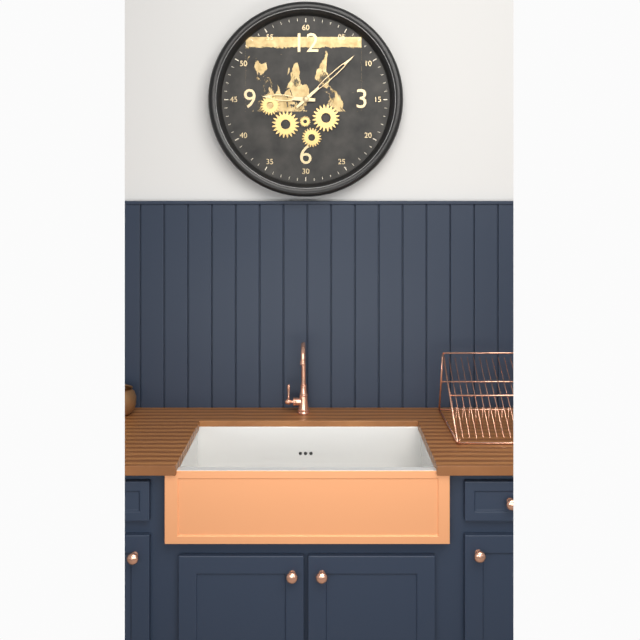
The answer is 9:08
